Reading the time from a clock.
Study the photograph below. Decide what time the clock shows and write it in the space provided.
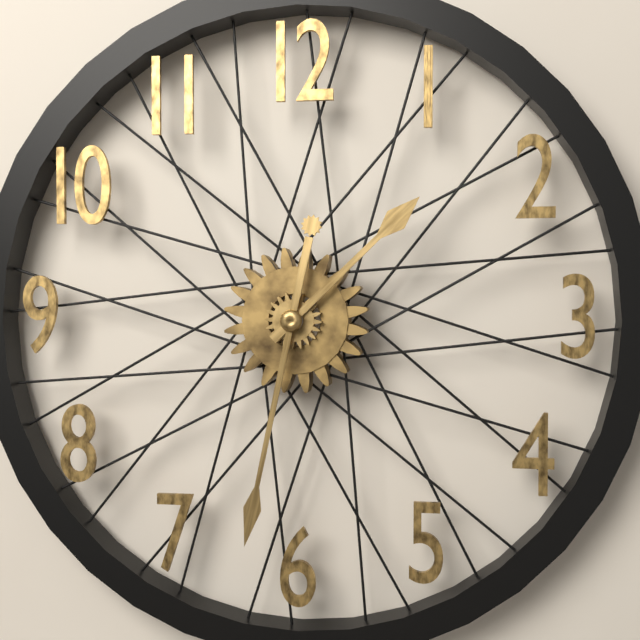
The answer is 1:32
